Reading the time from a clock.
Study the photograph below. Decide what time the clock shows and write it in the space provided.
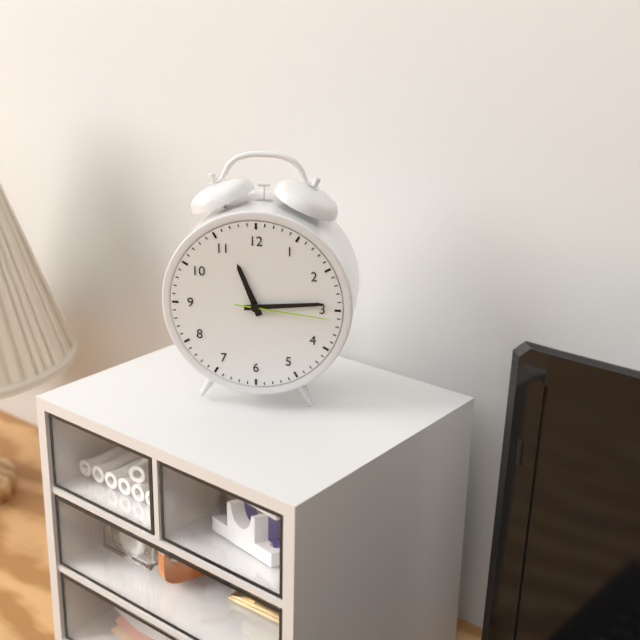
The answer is 11:14:16
